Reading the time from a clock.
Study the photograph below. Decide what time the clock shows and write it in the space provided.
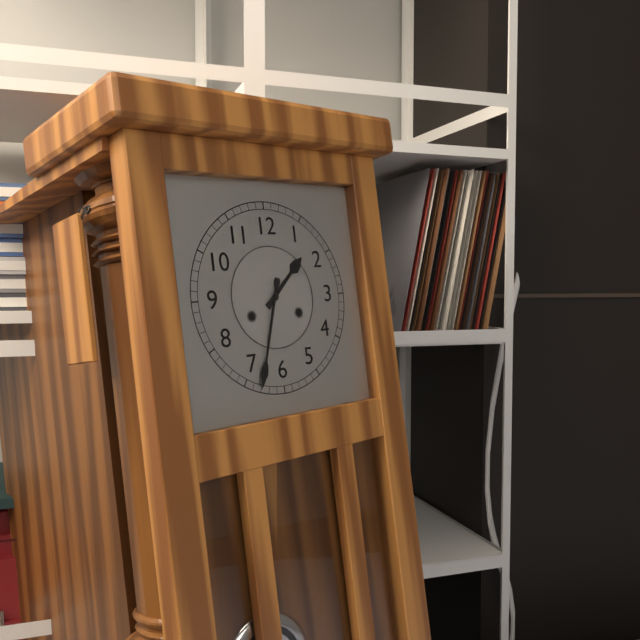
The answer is 1:33
